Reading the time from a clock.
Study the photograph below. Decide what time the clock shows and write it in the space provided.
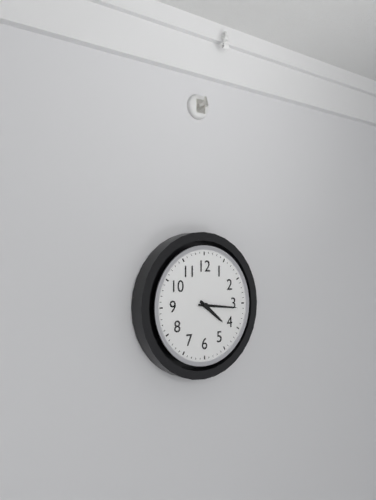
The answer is 4:16
